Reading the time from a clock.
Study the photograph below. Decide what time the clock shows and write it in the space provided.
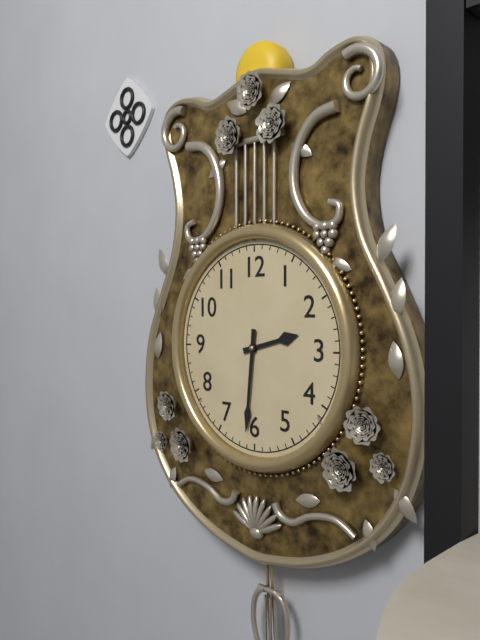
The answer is 2:31
